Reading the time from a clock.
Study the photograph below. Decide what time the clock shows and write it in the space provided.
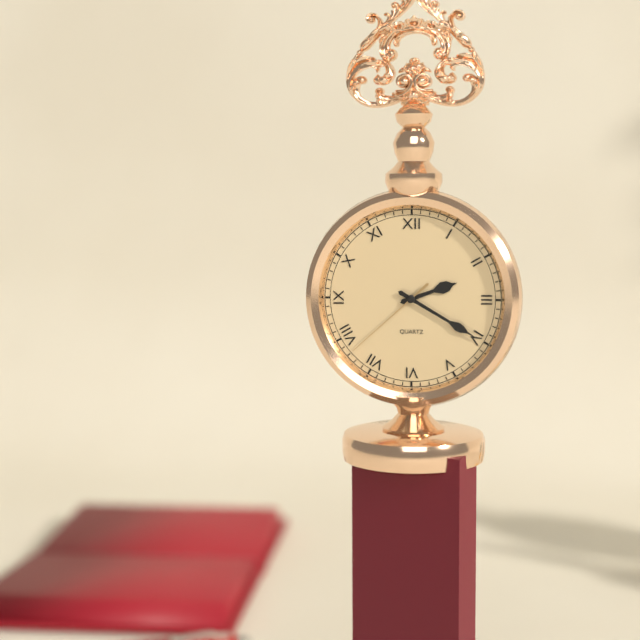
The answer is 2:20:38
